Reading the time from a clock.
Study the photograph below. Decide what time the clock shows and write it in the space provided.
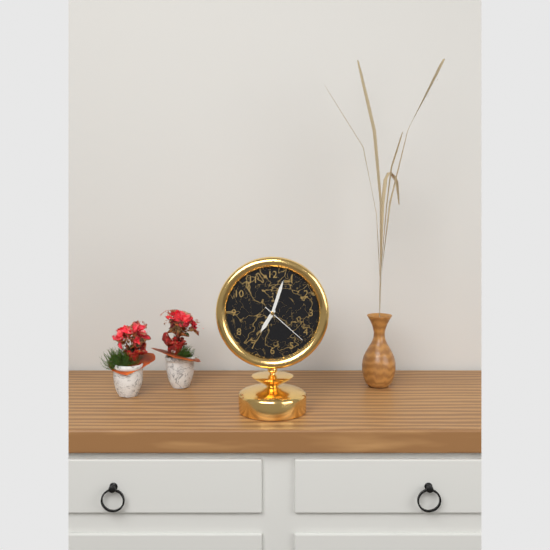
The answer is 7:03:22
